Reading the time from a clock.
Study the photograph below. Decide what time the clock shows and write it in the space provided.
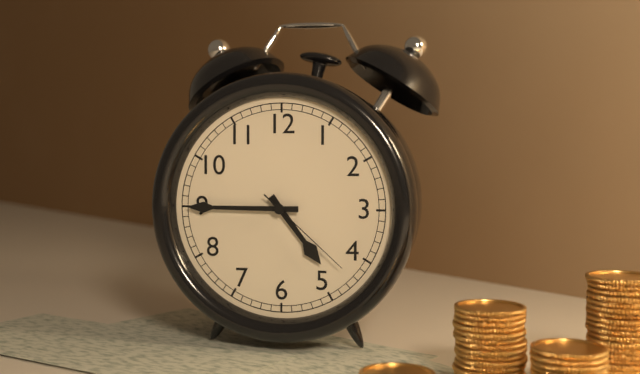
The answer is 4:45:22
